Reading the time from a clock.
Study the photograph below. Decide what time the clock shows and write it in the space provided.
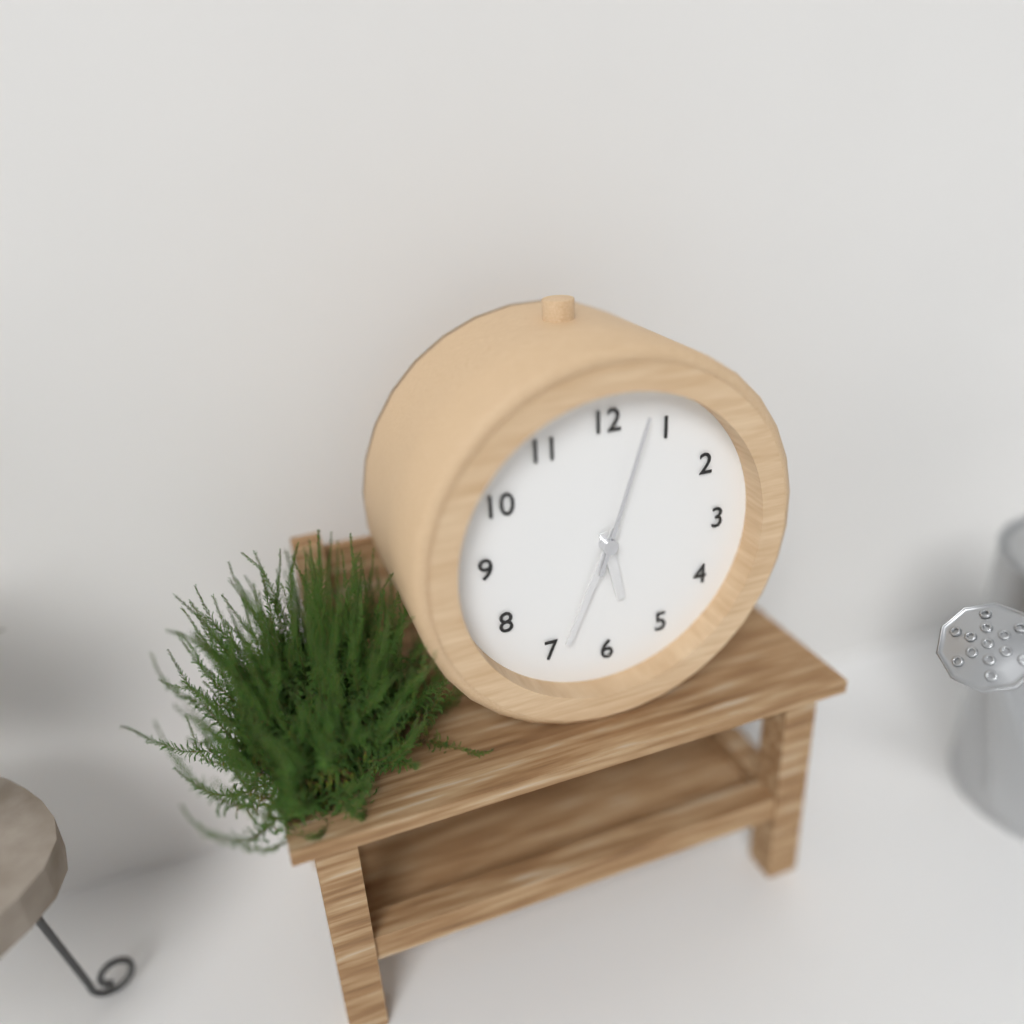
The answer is 5:34:03
